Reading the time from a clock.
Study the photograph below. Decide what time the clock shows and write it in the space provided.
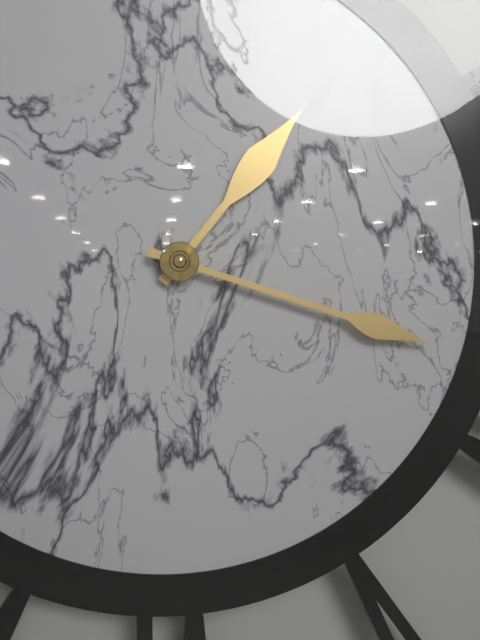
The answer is 1:18
